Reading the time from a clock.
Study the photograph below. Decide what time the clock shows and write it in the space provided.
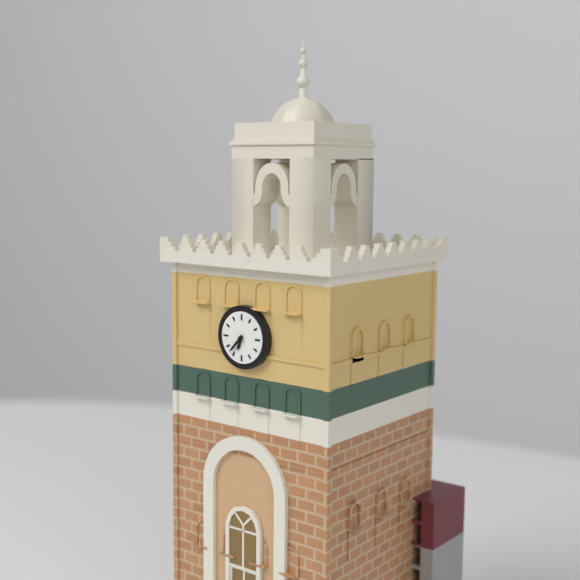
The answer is 6:37
